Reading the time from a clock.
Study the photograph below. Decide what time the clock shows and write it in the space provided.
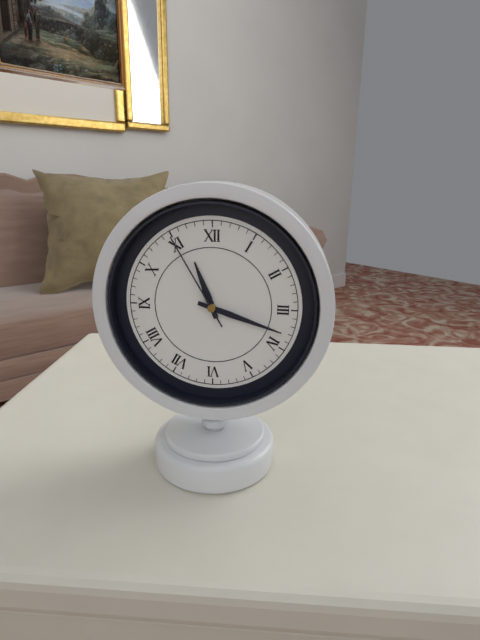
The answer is 11:18:55
